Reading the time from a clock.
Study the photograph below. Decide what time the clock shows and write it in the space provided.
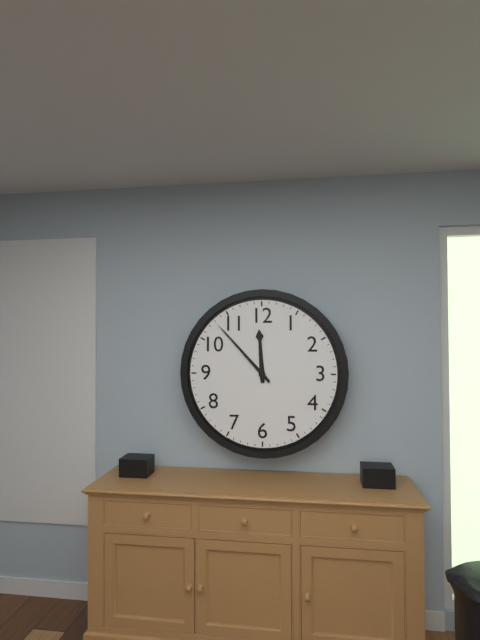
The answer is 11:53
